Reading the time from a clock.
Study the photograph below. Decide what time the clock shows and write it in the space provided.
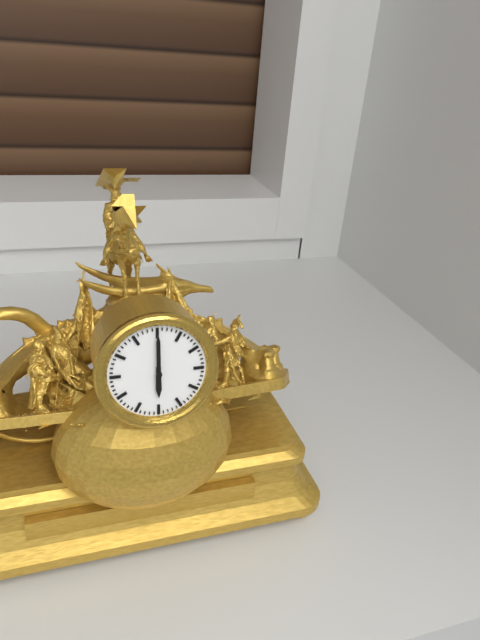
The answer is 6:00
